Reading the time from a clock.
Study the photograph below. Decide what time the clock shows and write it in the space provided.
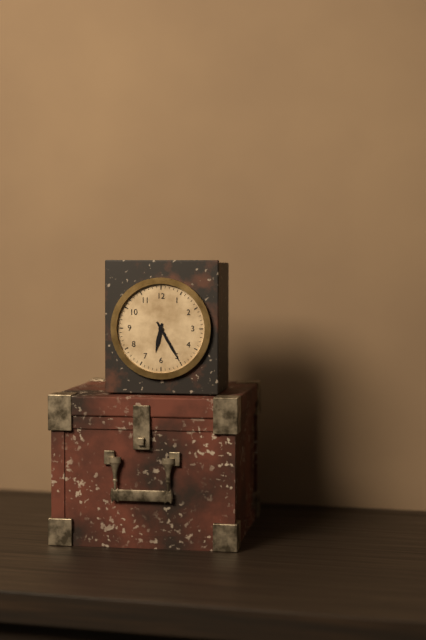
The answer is 6:25
